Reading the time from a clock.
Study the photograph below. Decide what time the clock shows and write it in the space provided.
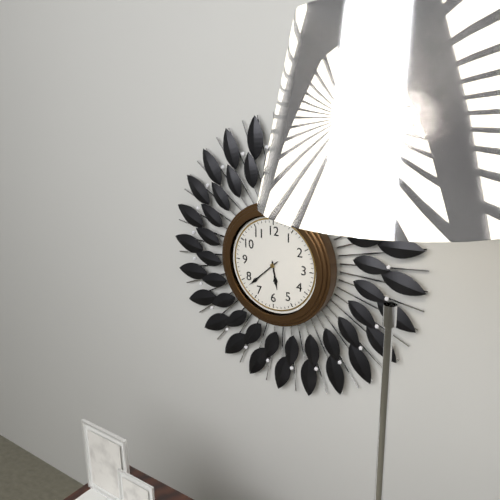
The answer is 5:38
